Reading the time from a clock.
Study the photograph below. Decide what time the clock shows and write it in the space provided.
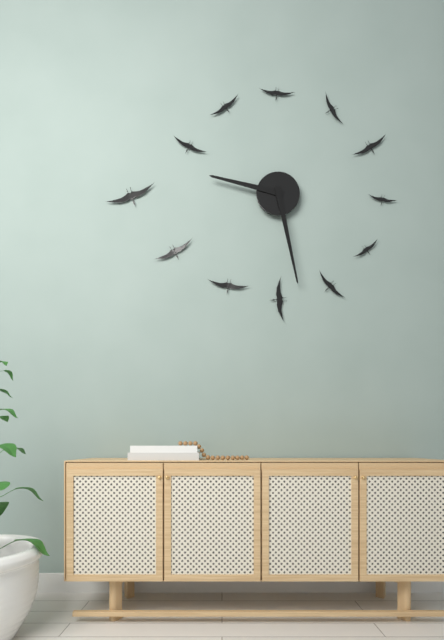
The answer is 9:28
